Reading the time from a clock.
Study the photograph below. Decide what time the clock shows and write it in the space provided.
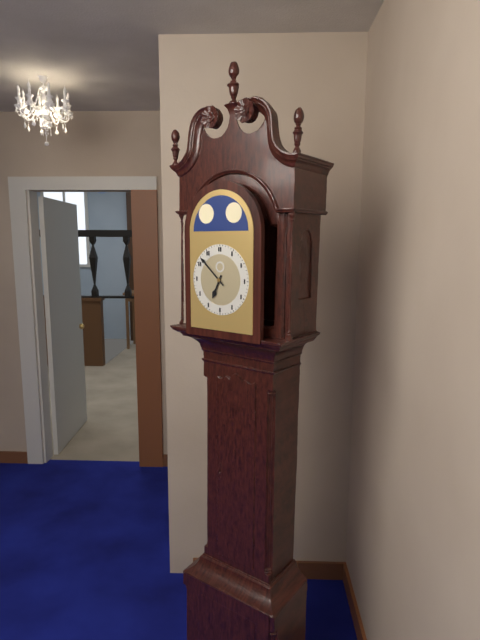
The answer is 6:52
